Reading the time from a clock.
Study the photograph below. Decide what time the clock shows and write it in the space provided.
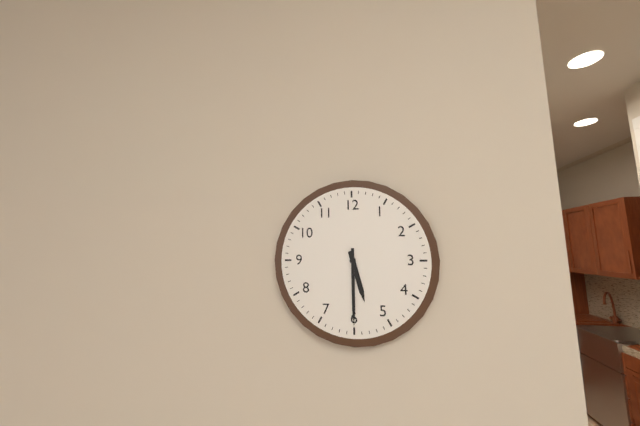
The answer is 5:30
